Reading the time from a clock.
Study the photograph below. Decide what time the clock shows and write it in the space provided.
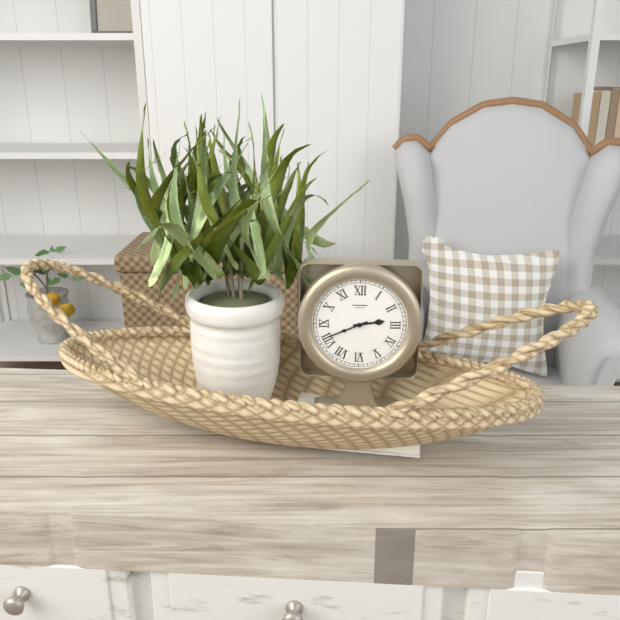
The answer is 2:41
